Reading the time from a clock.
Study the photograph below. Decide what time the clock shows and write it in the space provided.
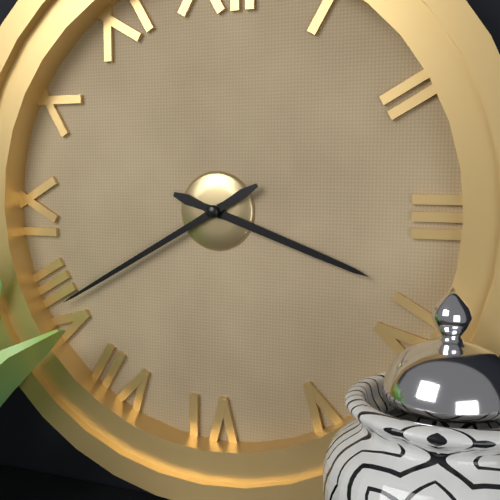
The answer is 3:40
